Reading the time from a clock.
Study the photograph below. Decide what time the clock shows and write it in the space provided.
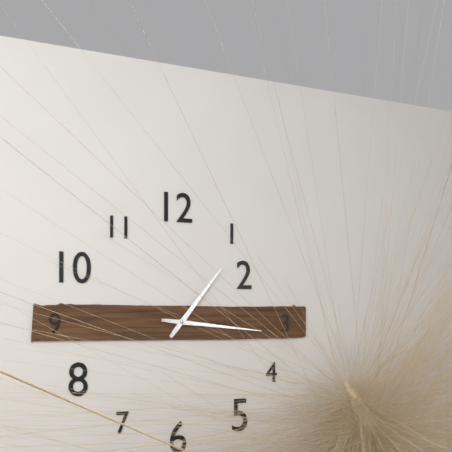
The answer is 1:16
